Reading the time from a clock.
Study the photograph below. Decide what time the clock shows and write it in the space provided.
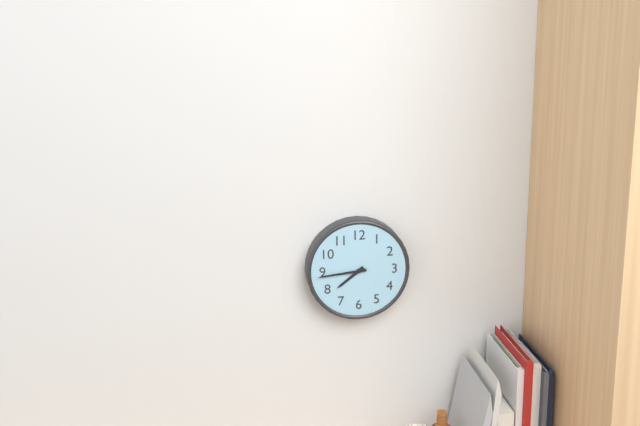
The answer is 7:44
